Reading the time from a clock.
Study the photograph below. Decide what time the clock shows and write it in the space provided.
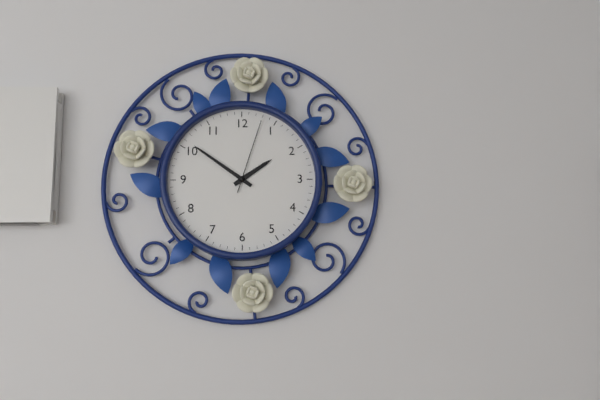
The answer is 1:51:03
